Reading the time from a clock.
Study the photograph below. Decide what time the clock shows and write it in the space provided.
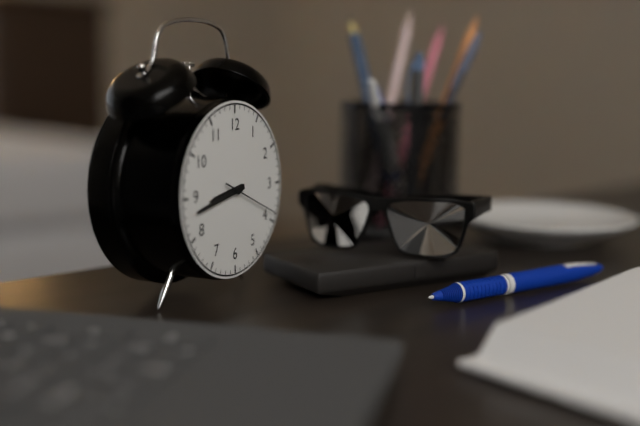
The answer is 8:43:19
